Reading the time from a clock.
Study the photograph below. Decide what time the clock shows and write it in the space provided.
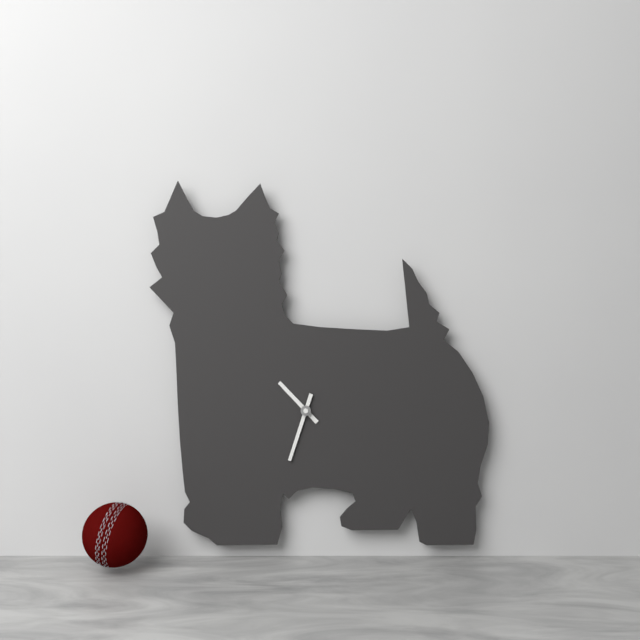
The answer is 10:33
